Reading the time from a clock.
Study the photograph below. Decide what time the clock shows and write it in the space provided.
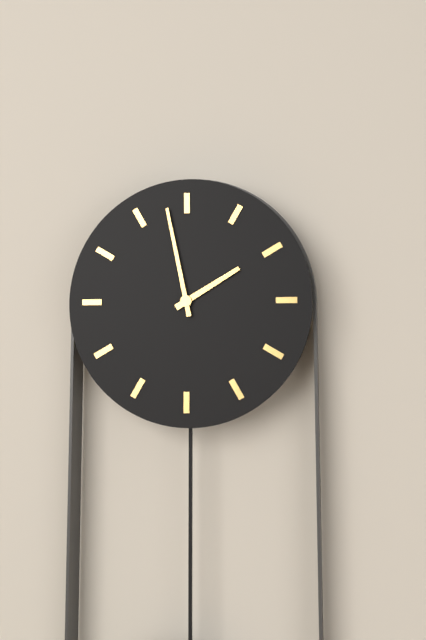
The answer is 1:58
